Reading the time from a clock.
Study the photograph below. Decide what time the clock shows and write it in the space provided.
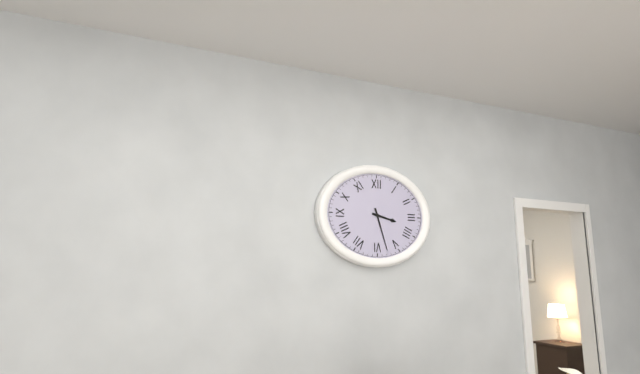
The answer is 3:27
